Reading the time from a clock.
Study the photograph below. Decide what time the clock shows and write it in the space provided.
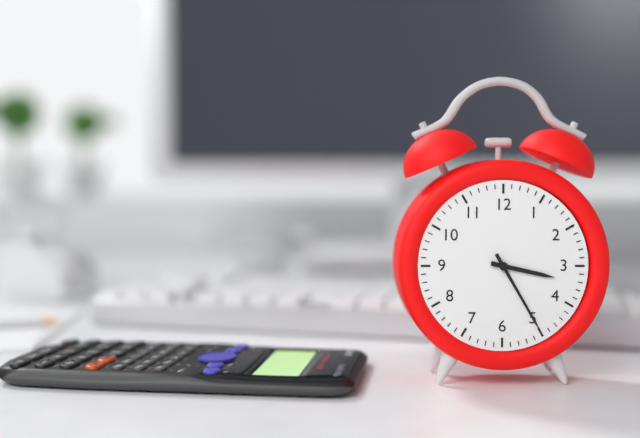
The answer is 3:25
